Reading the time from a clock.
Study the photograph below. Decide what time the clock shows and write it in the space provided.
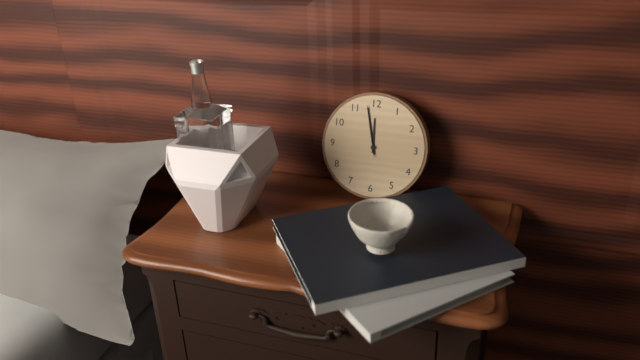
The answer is 11:58:58
